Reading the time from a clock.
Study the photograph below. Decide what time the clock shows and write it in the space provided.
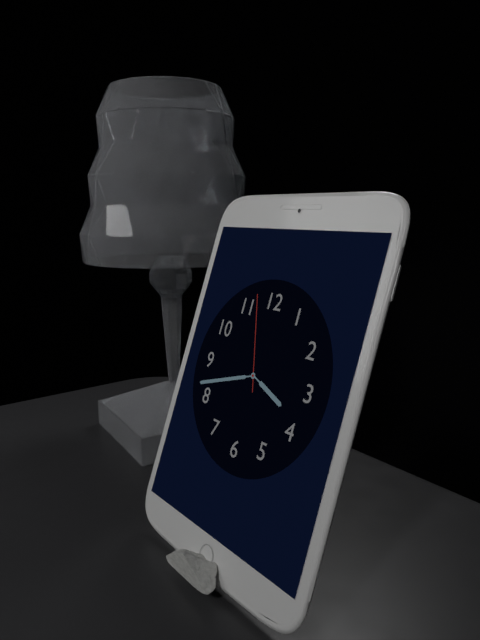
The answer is 3:42:57
